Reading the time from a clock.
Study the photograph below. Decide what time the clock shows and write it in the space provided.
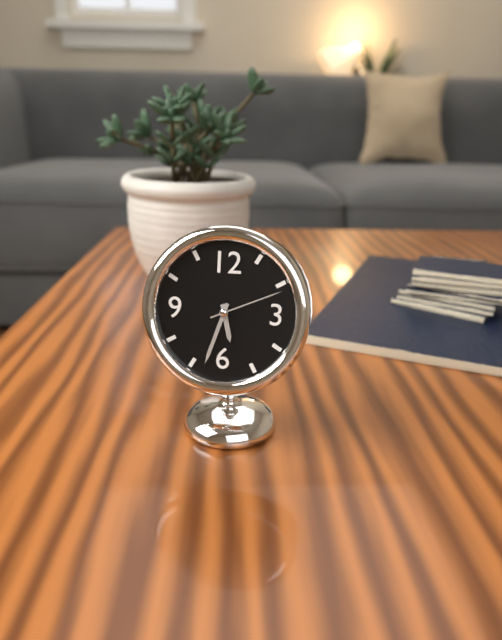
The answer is 5:33:11
